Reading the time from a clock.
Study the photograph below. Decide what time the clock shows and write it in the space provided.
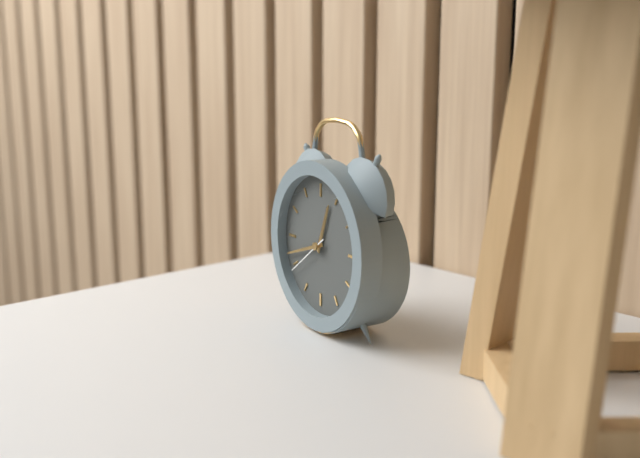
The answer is 12:42
